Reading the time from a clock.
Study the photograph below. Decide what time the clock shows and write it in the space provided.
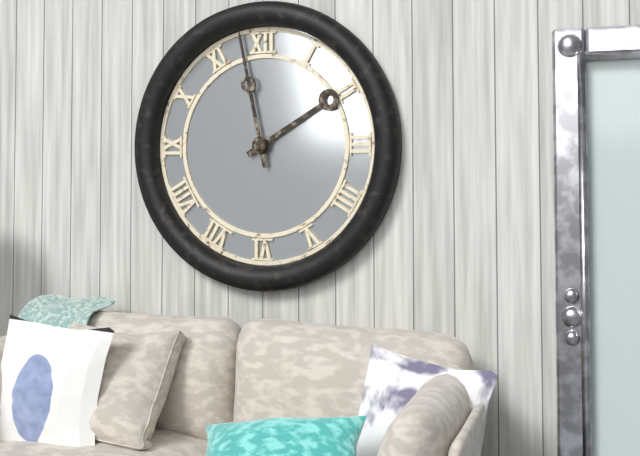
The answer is 1:58
